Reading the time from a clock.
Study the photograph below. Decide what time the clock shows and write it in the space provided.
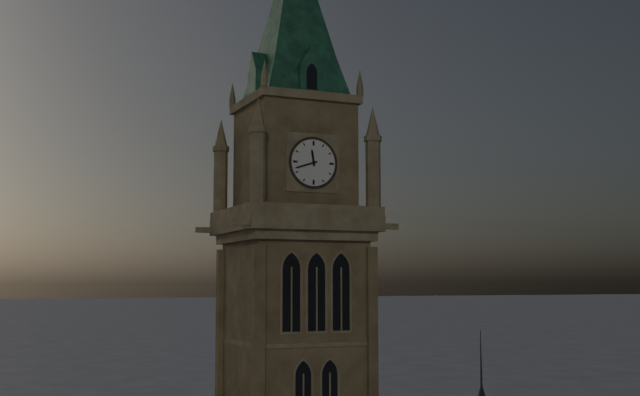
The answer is 11:42
